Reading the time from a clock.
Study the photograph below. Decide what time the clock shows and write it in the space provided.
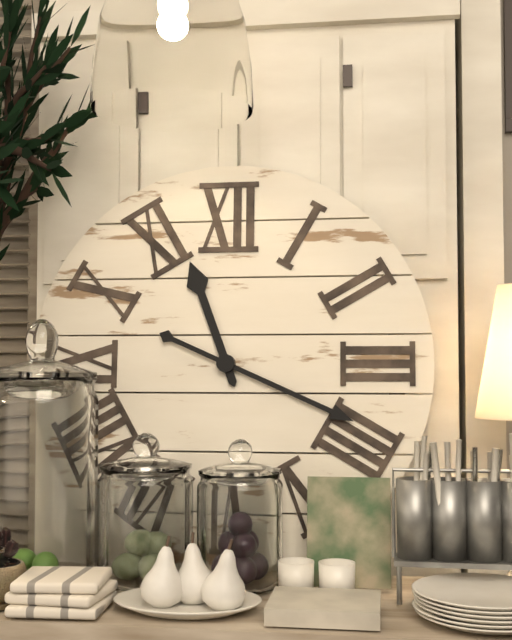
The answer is 11:19
